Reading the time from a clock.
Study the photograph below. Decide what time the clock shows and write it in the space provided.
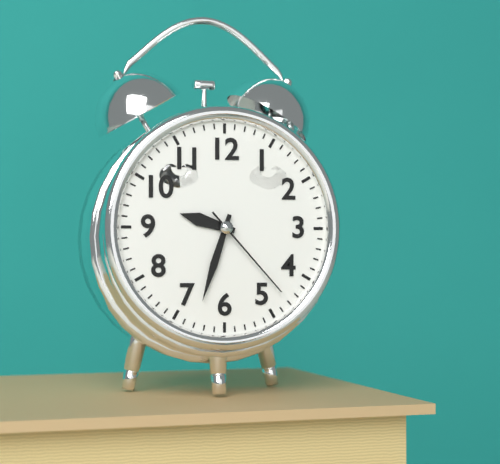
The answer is 9:33:23
